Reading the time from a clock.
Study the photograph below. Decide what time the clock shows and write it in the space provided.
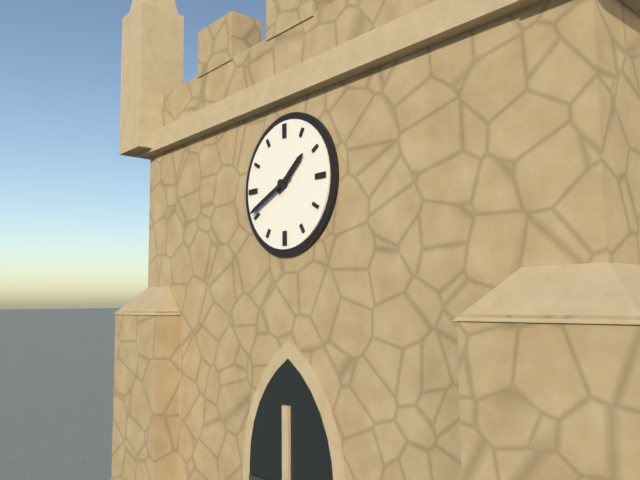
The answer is 1:41
